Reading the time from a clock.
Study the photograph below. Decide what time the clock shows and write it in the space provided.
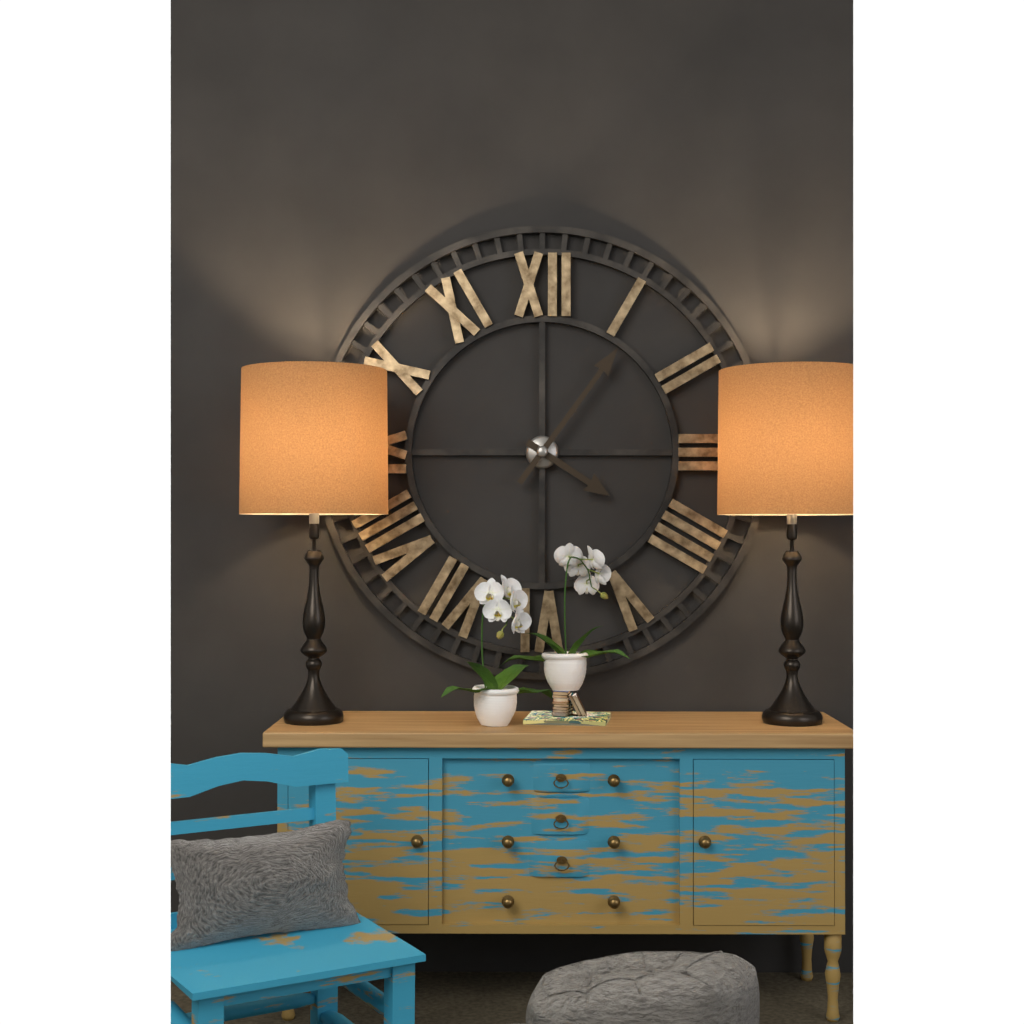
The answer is 4:06
